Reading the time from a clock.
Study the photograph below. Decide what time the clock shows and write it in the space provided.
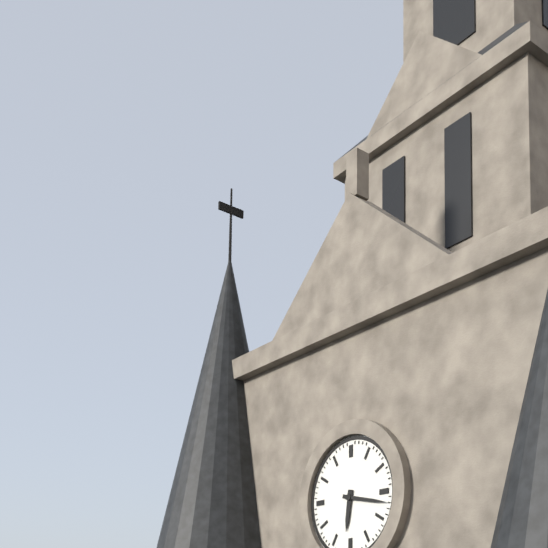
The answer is 6:17
